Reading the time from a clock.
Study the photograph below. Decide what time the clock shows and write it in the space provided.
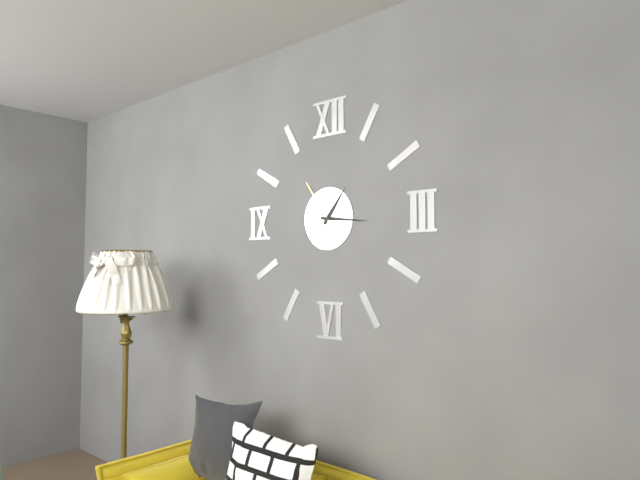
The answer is 1:16:54
